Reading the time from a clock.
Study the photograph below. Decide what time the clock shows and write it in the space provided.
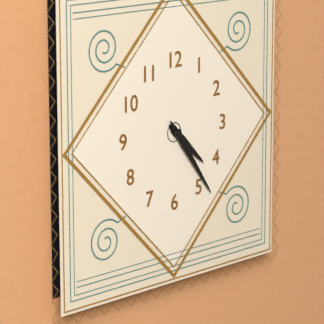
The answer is 4:24
